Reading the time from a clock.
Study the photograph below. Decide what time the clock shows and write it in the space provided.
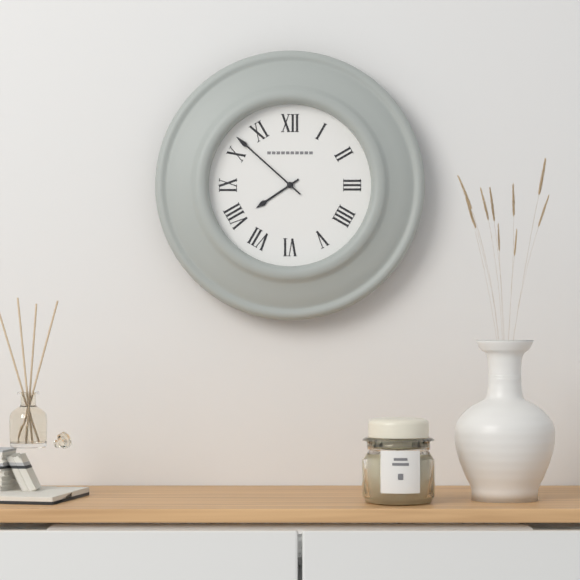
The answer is 7:52
